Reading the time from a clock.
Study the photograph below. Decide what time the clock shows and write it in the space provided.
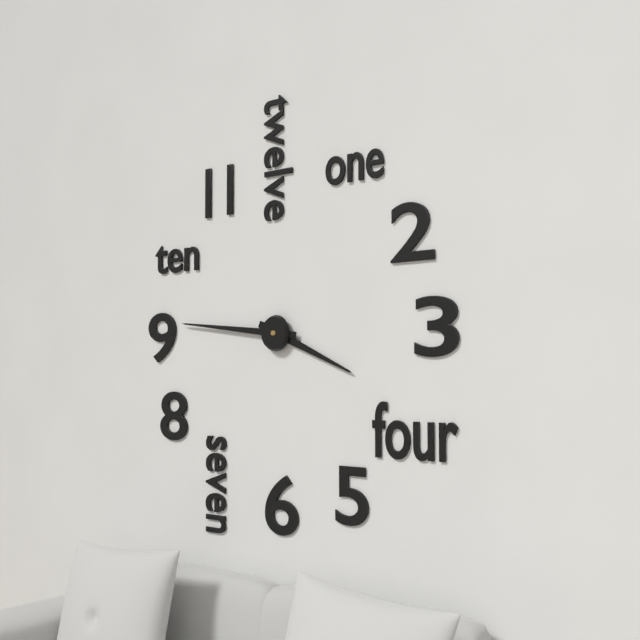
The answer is 3:46
